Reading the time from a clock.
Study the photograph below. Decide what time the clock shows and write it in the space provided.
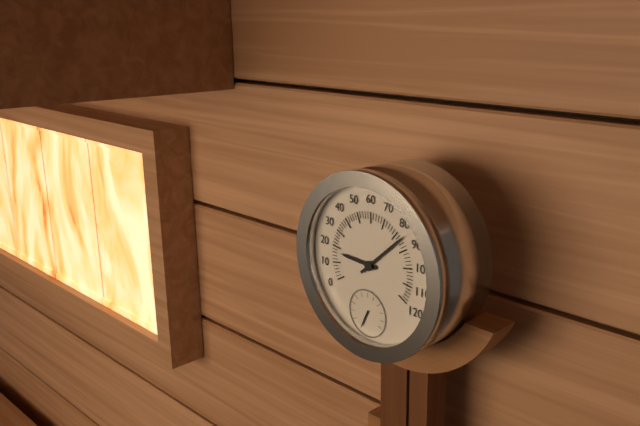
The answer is 9:08
